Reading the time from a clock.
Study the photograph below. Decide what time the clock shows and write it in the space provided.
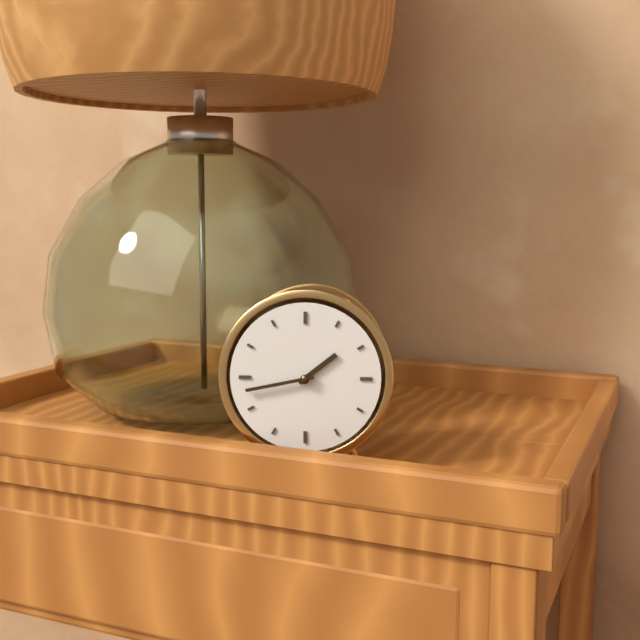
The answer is 1:43
